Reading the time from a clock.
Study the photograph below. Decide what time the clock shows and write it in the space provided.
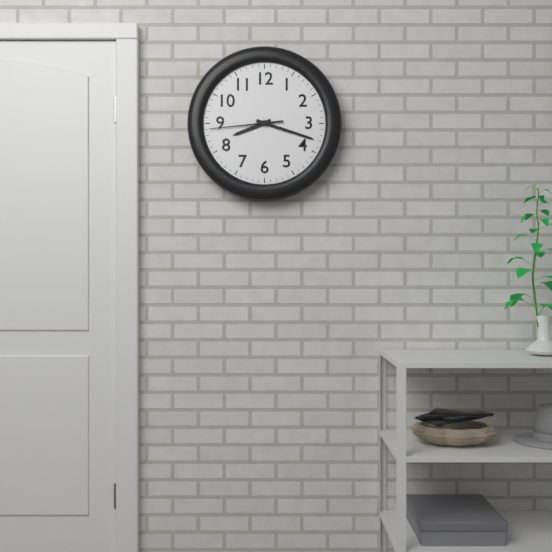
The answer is 8:18:44
